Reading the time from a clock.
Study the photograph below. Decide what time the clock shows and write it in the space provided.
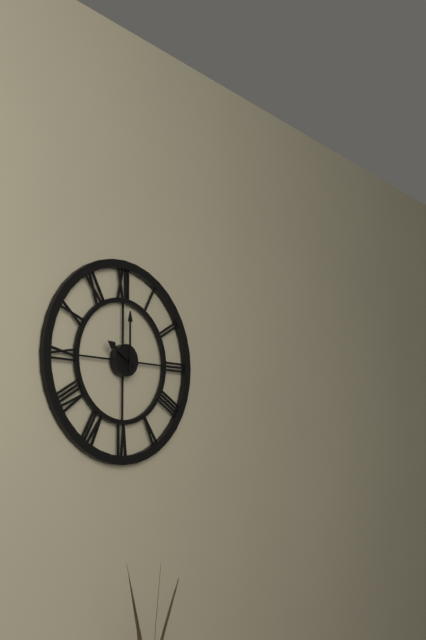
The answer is 10:00
